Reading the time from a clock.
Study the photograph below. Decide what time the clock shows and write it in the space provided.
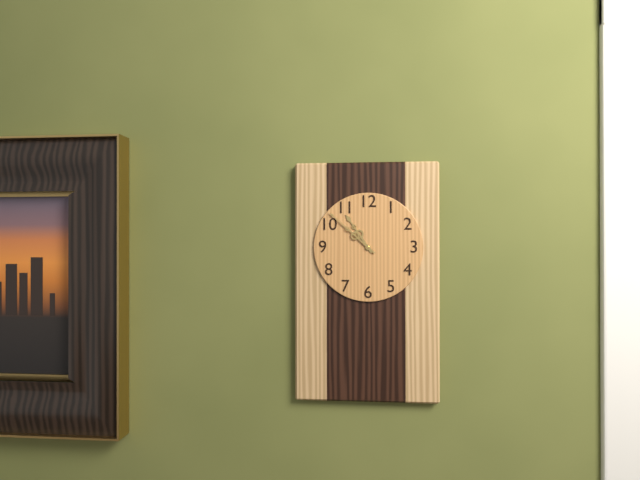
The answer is 10:52
